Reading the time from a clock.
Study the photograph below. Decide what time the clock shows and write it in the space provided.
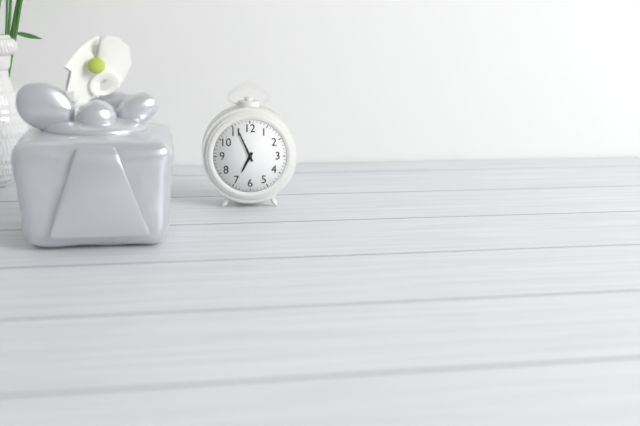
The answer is 6:56
